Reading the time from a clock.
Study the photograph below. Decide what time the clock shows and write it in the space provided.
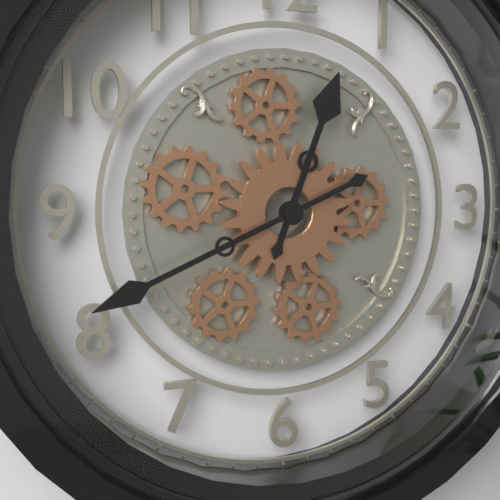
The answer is 12:41
